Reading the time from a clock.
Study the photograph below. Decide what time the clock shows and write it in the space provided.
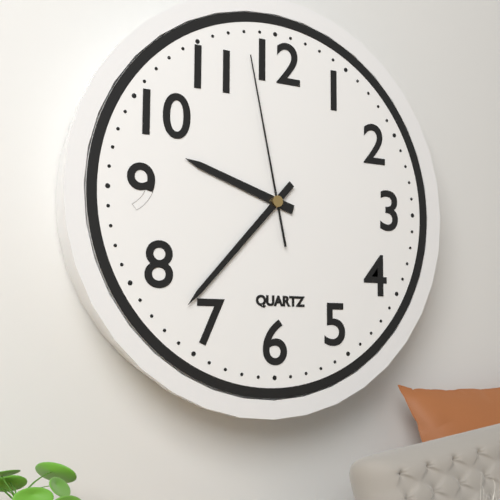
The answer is 9:37:58
